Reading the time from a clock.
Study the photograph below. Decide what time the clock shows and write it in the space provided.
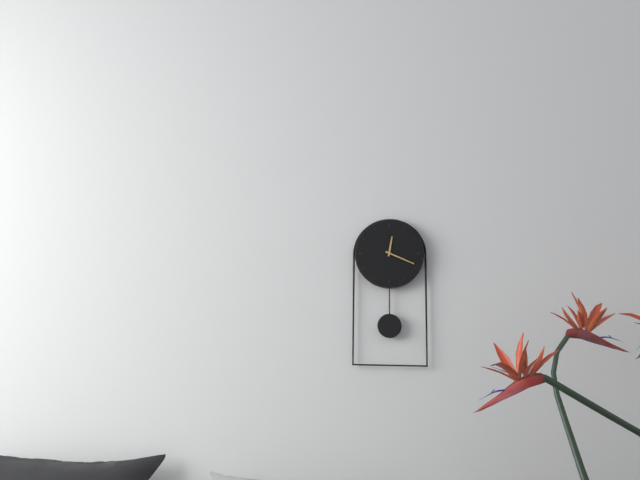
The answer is 12:19
